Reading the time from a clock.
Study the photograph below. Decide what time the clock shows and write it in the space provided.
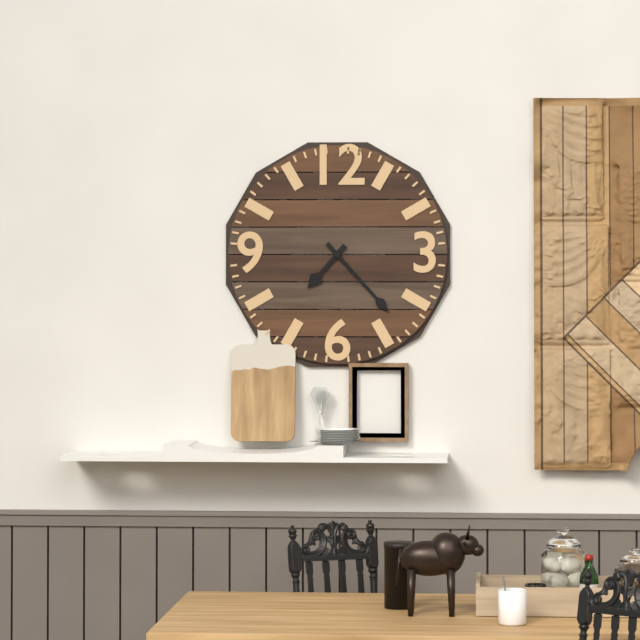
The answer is 7:23
